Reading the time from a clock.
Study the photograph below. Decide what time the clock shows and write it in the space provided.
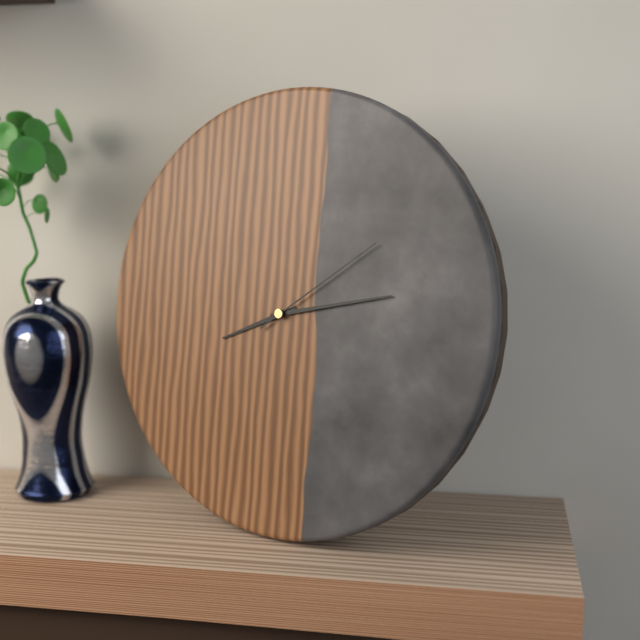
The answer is 8:13:09
